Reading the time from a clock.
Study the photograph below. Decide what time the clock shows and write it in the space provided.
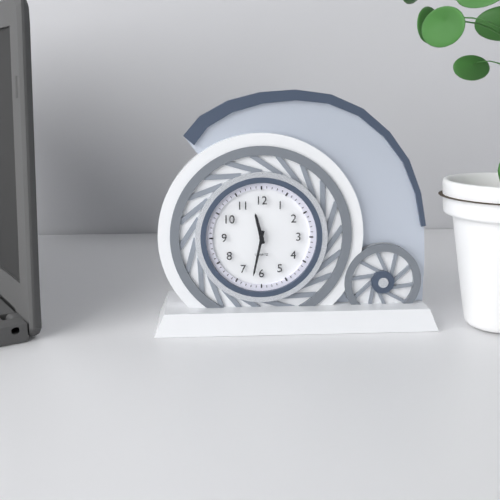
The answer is 11:32
